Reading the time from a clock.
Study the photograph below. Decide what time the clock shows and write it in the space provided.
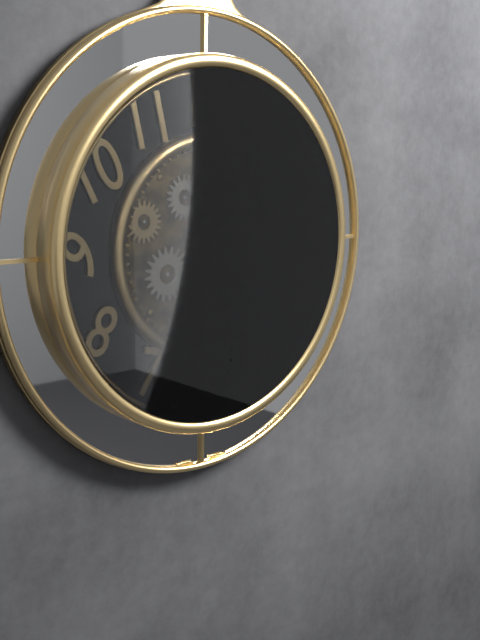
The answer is 4:14
